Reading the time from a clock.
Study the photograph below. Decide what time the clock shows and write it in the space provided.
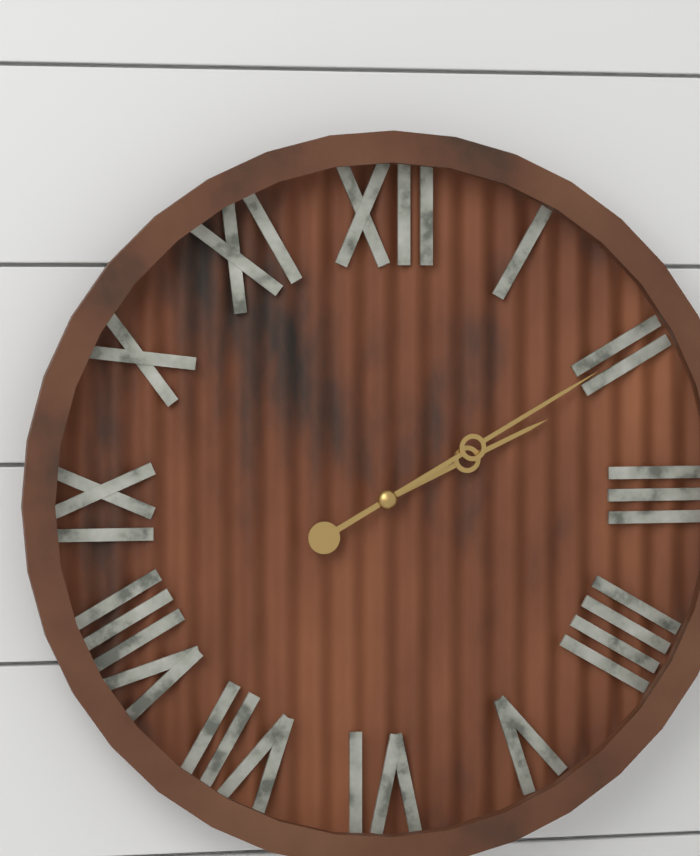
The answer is 2:10
